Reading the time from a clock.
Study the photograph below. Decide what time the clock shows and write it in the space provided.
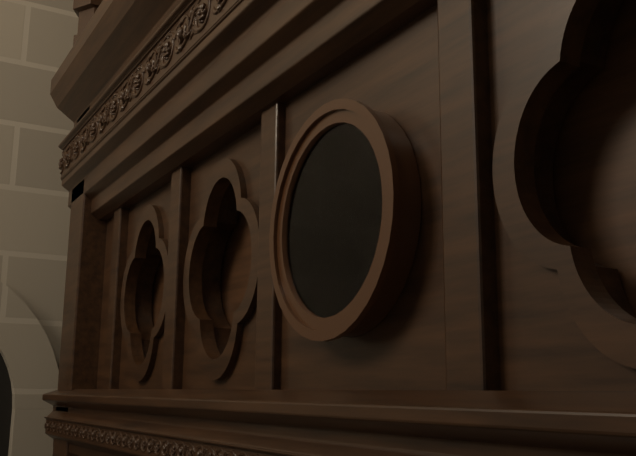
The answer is 1:56
